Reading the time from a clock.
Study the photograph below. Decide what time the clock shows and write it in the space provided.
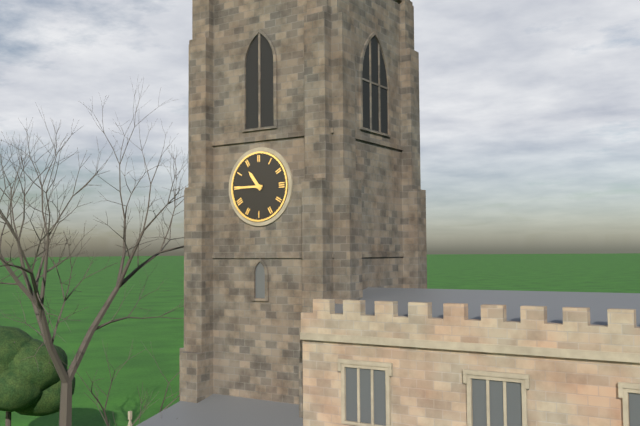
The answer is 10:45
